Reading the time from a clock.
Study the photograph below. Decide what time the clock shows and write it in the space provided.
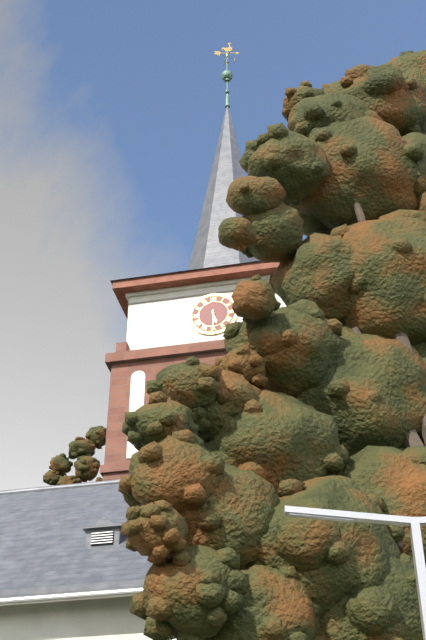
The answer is 5:30
